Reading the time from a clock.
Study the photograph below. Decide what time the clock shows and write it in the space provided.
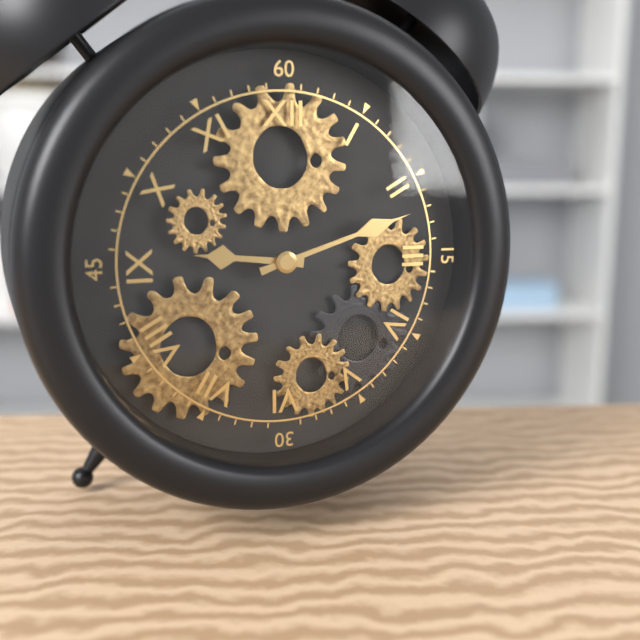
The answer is 9:12
